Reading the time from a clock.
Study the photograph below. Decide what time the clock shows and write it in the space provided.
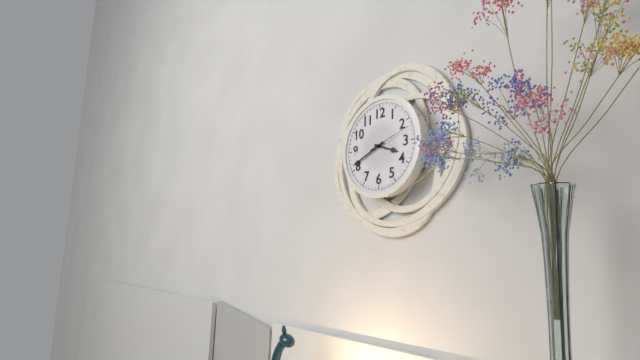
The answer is 3:41
